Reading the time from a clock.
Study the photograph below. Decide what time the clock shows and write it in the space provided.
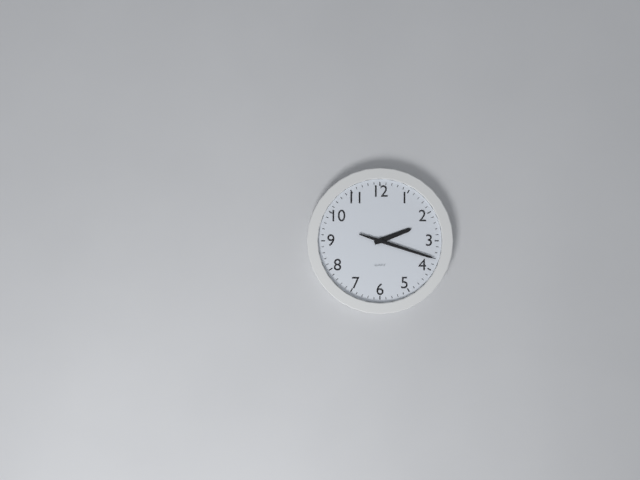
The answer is 2:18
